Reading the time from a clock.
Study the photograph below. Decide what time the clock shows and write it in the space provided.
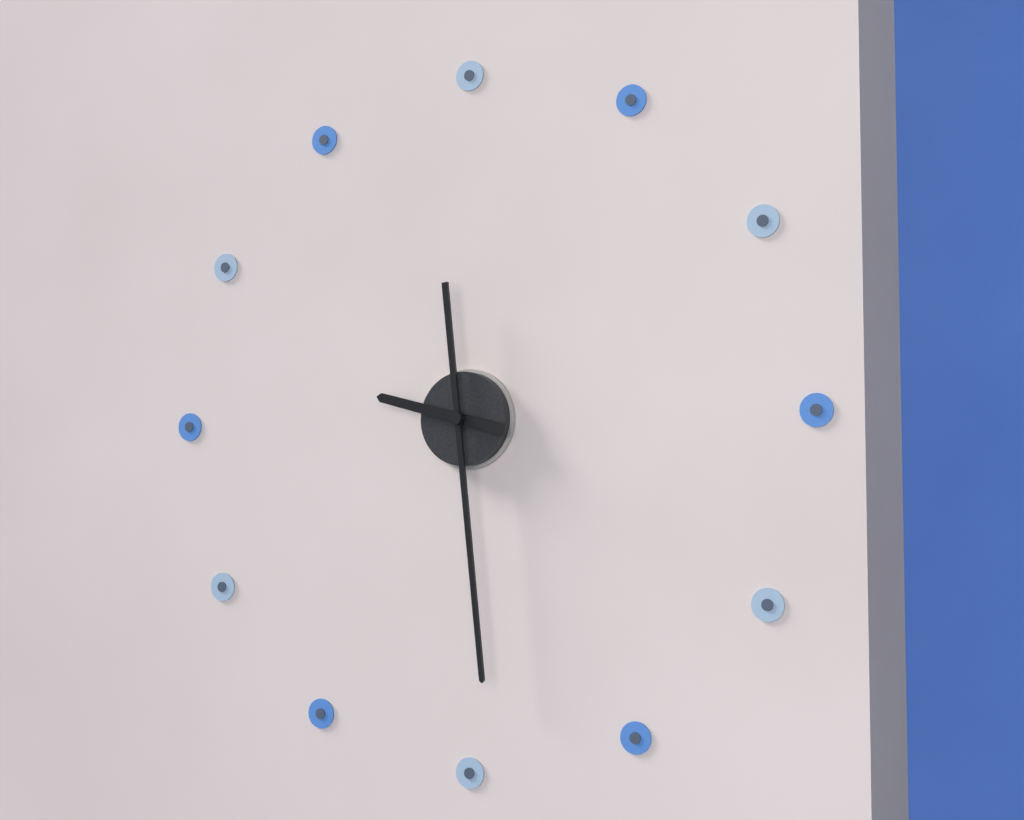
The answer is 9:29
